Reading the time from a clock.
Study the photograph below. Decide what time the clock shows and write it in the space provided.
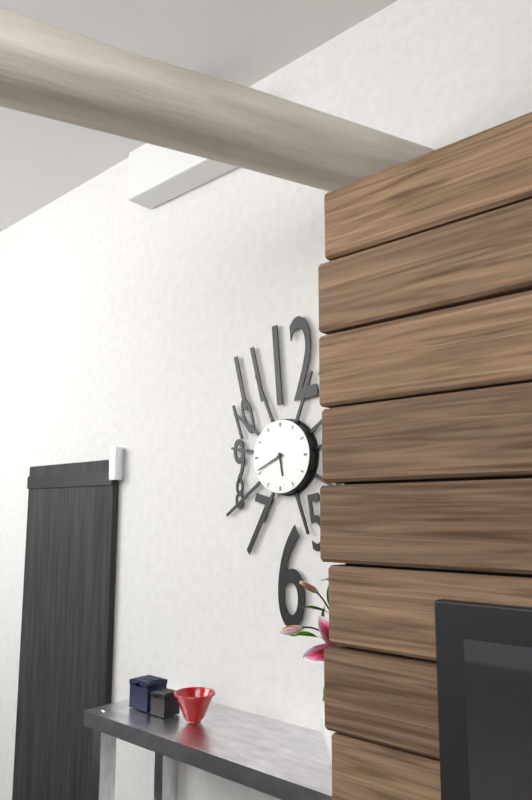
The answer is 5:41
